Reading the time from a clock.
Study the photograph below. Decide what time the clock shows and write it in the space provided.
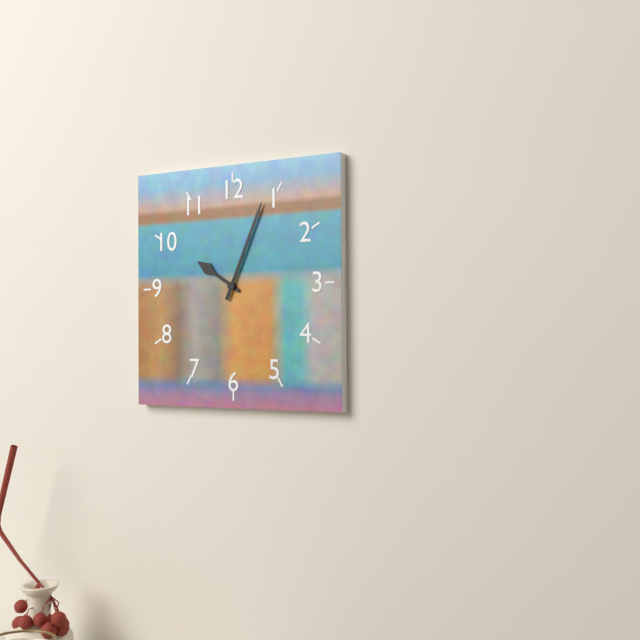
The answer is 10:04
